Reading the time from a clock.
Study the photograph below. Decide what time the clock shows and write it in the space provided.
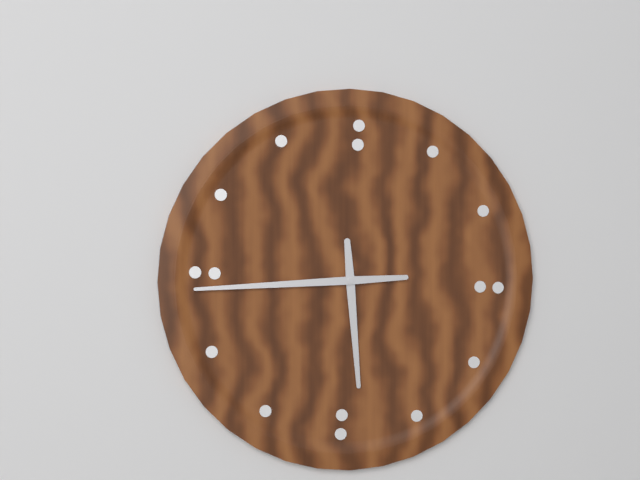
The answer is 5:44
